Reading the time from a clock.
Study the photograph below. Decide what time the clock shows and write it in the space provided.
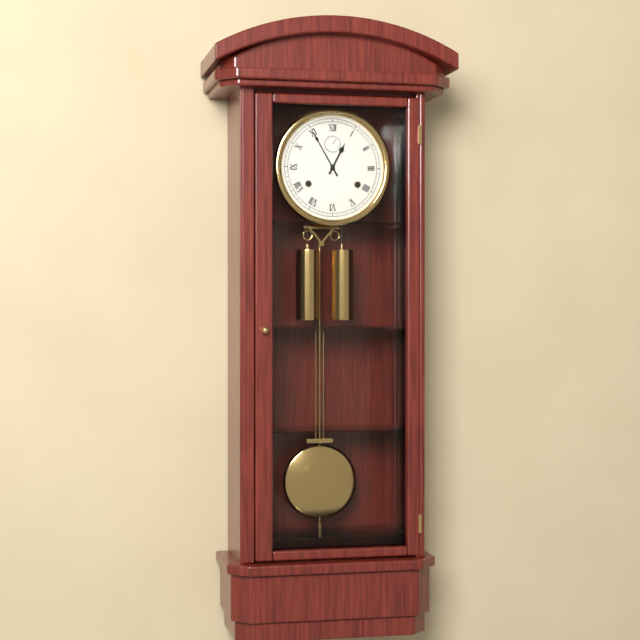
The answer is 12:55
